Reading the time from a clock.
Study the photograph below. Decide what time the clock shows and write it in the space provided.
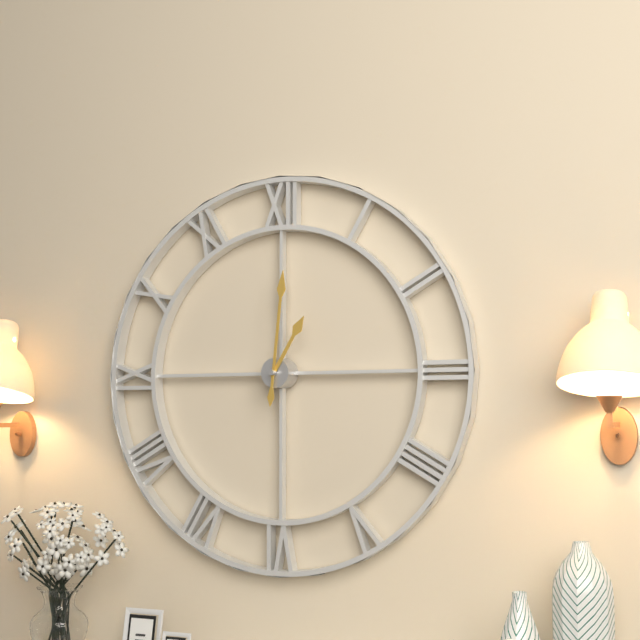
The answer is 1:01
